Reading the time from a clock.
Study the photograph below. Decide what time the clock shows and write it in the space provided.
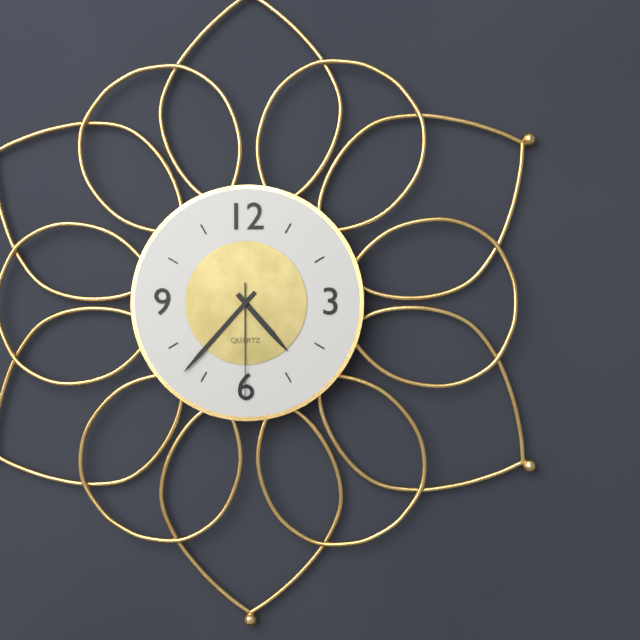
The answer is 4:37:30
